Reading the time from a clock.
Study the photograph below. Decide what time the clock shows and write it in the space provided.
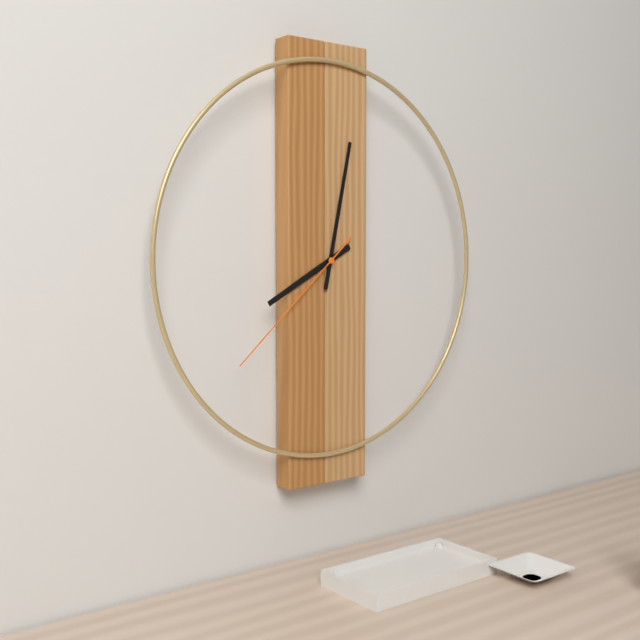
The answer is 8:02:38
